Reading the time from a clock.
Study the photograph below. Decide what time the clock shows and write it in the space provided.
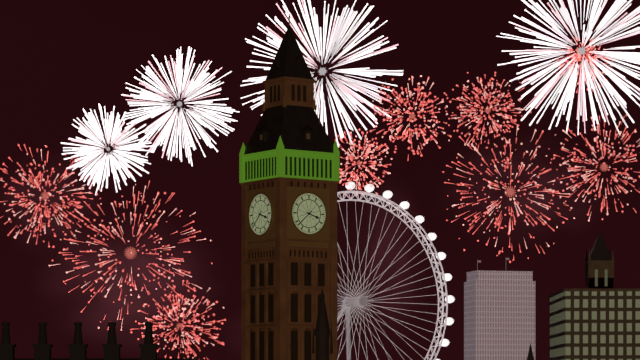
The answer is 3:38
